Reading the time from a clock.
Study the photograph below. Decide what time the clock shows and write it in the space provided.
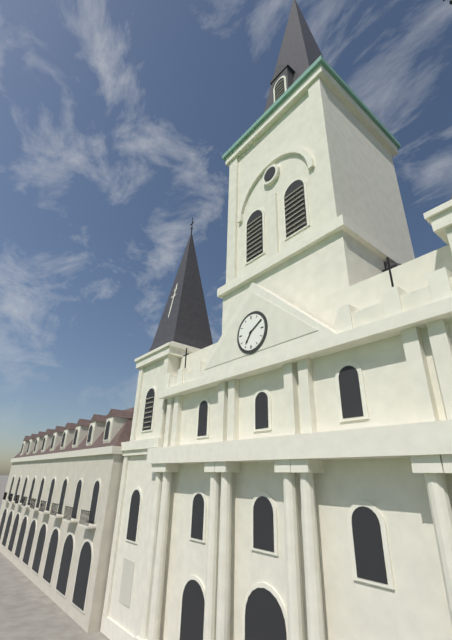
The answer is 7:10
